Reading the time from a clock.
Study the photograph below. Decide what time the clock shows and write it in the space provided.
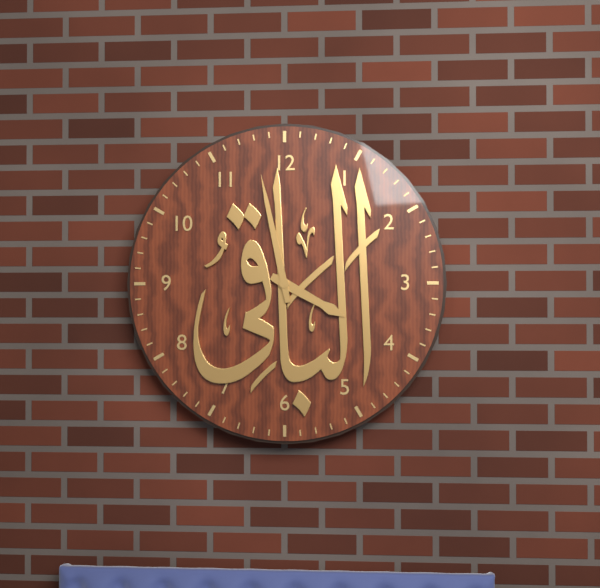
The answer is 3:58
